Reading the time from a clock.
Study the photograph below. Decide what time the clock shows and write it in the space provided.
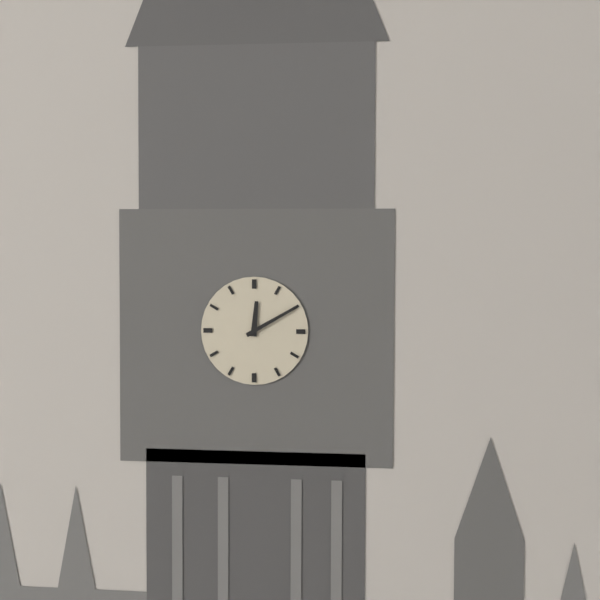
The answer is 12:10
